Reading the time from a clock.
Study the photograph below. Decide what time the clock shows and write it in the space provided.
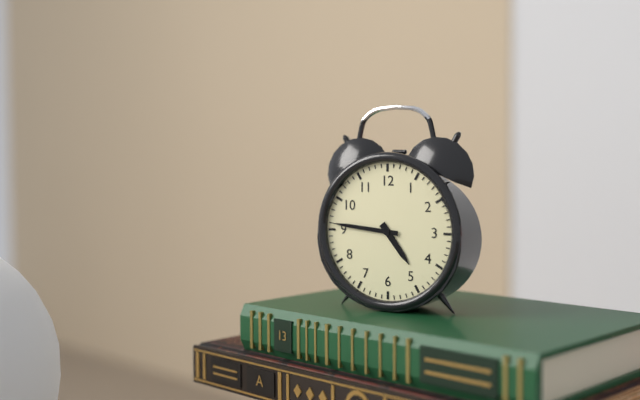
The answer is 4:46
